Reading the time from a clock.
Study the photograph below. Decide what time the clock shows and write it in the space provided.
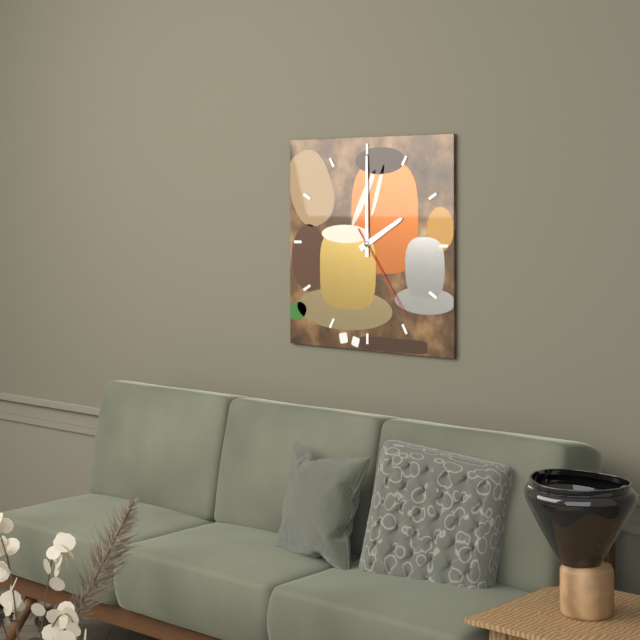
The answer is 2:00:24
